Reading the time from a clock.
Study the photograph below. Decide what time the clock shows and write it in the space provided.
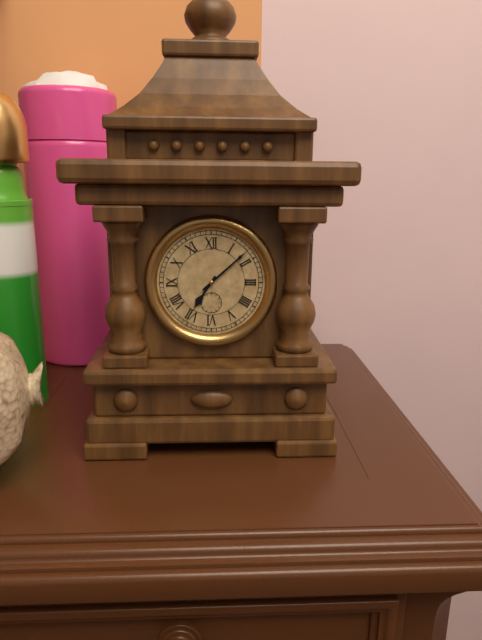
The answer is 7:08
